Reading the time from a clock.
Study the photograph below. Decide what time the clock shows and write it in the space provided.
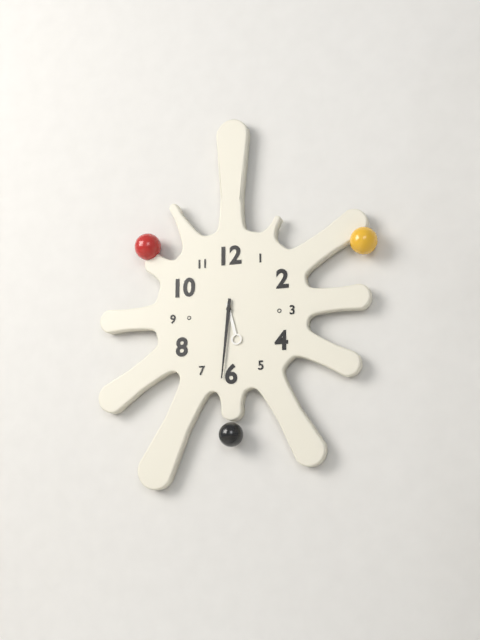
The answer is 5:31
